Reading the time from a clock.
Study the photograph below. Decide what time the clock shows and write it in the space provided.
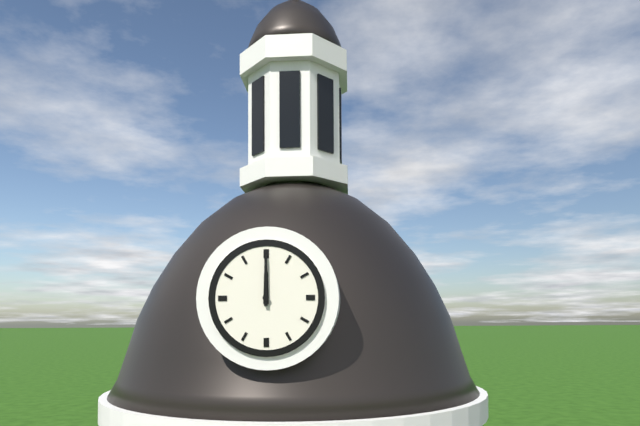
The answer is 12:00
